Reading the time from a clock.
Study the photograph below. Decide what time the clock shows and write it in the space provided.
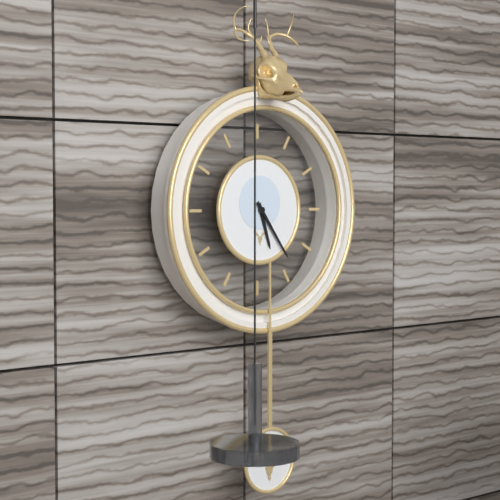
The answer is 5:24
